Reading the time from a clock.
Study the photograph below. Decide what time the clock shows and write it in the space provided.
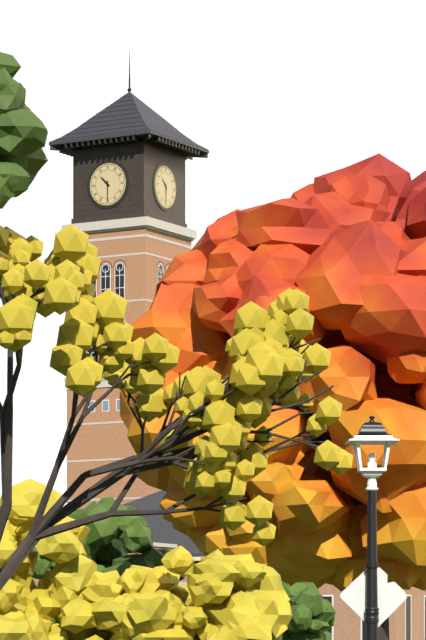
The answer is 10:30
